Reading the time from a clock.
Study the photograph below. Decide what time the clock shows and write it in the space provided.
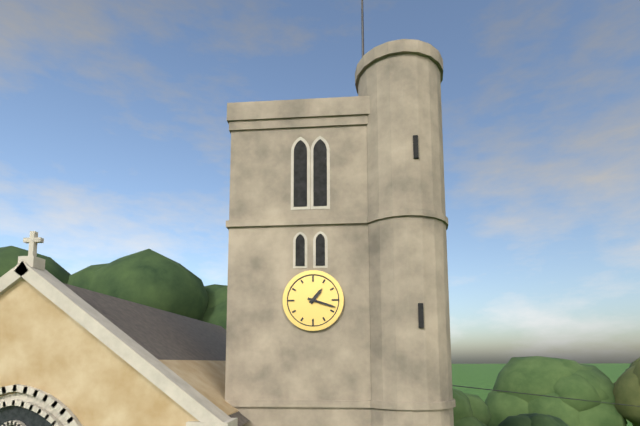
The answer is 1:18
